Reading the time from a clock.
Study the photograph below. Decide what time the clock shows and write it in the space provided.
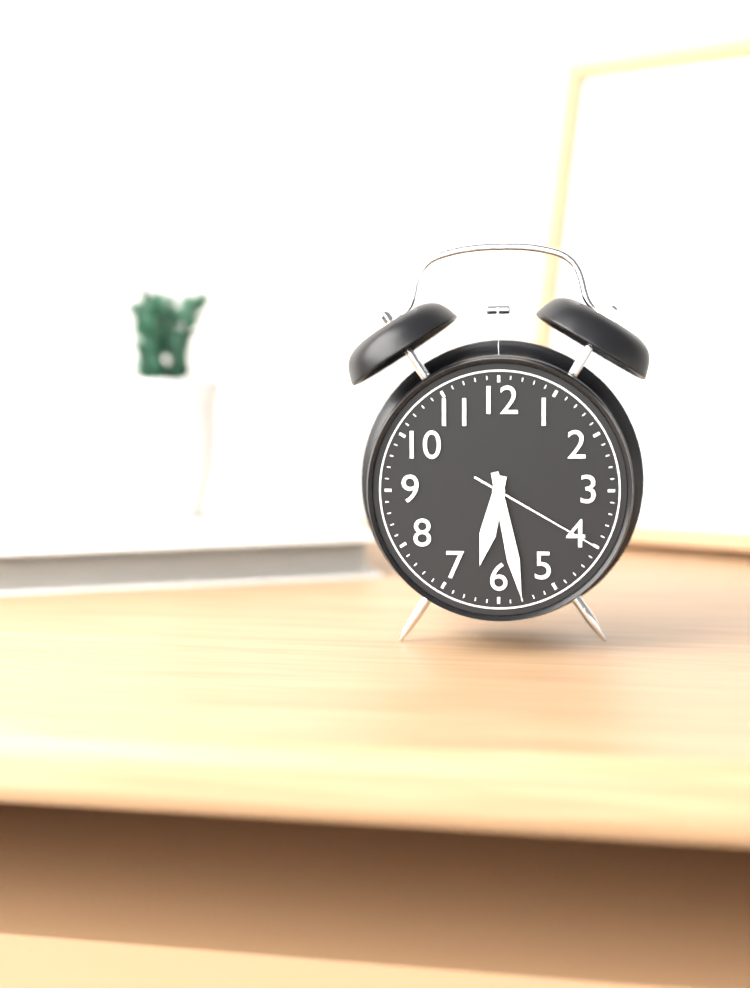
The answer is 6:28:20
